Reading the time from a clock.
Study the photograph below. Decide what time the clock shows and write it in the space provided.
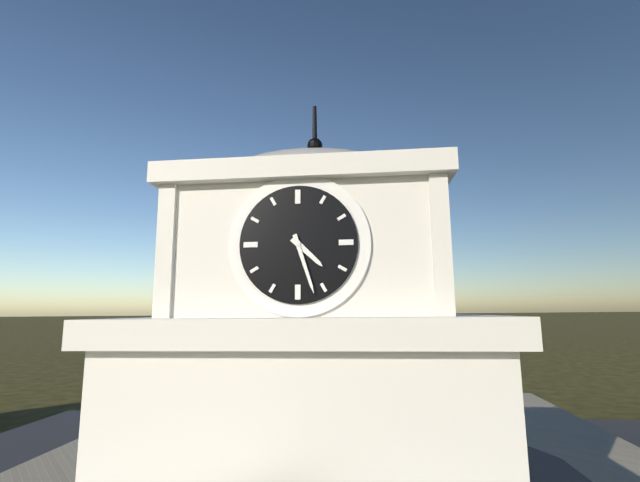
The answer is 4:27
